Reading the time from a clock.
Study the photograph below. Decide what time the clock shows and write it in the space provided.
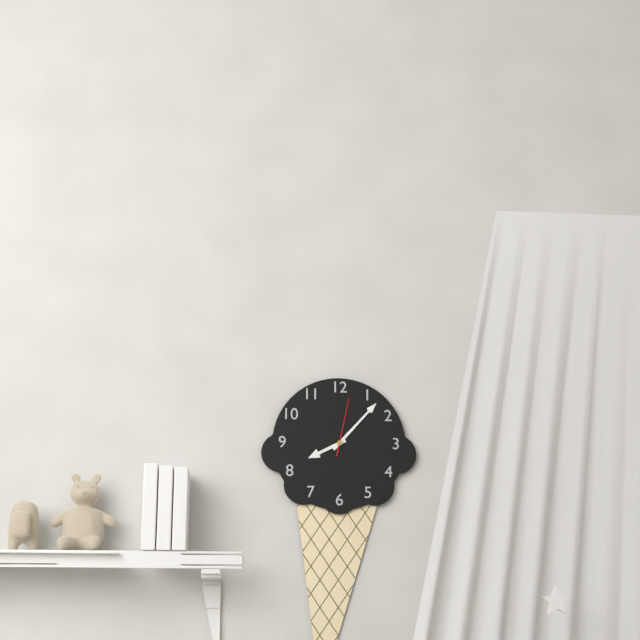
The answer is 8:07:02
